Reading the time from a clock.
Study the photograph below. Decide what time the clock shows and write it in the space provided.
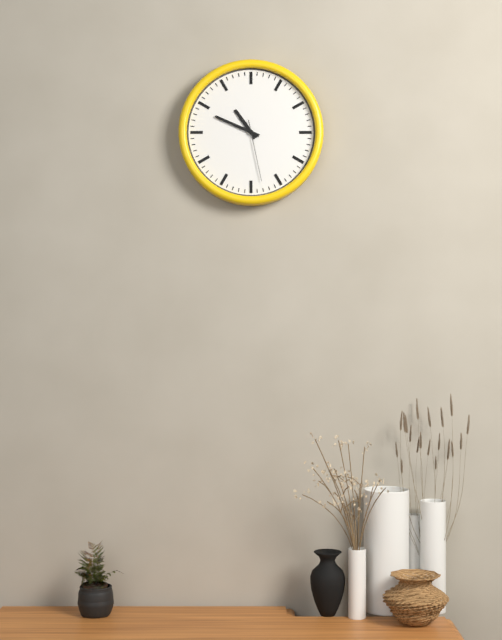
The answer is 10:49:28
